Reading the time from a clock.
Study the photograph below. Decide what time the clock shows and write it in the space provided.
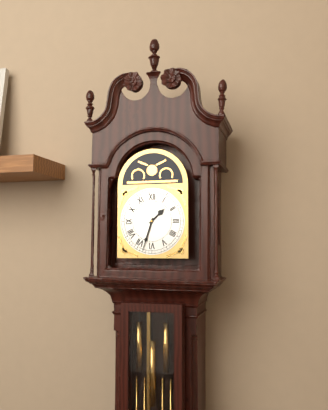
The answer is 1:33
